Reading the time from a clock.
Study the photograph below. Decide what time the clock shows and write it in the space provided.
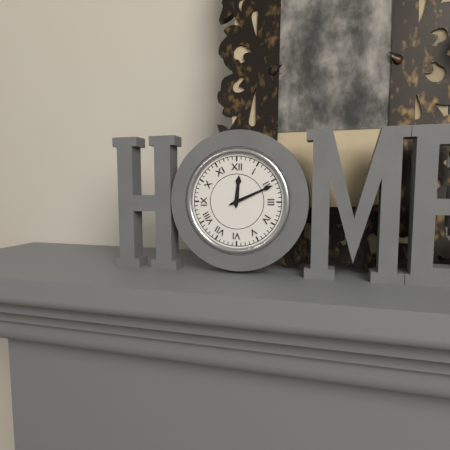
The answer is 12:11
